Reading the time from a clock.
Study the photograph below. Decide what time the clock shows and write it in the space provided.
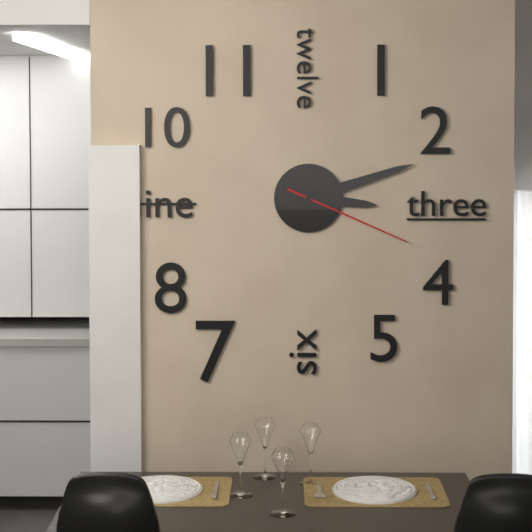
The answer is 3:12:19
